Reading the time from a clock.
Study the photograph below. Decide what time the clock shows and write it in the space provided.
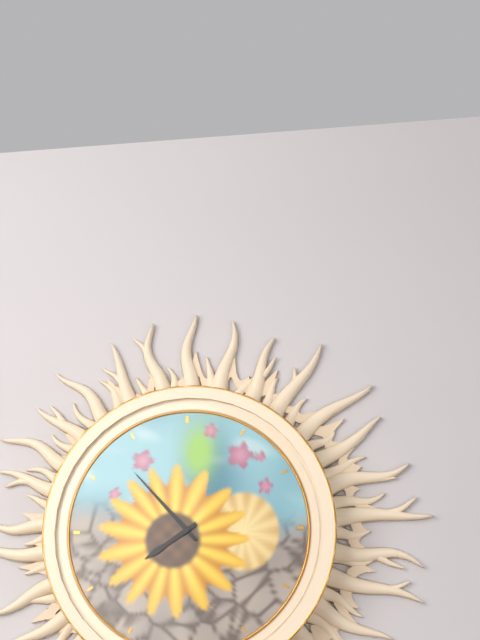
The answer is 7:53
